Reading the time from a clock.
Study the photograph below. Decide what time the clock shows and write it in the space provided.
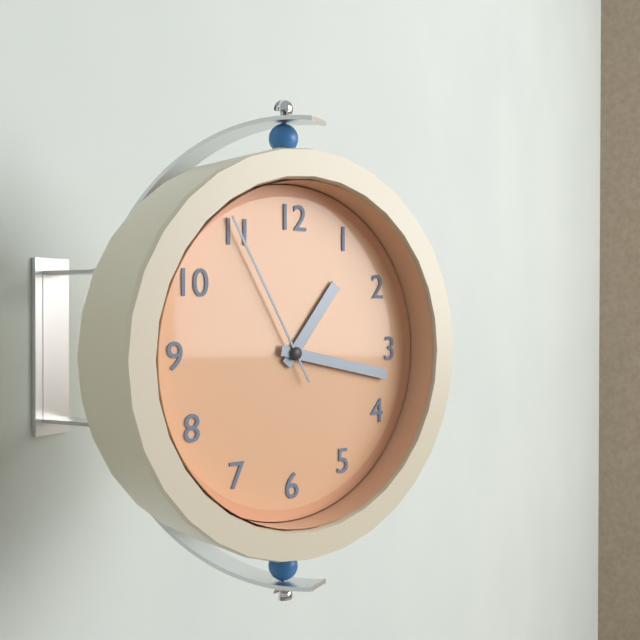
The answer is 1:17:55
